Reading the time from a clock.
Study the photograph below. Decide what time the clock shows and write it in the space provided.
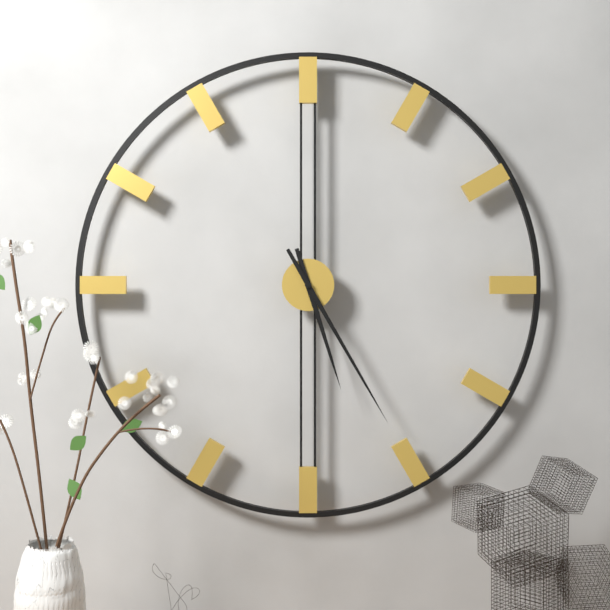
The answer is 5:25
